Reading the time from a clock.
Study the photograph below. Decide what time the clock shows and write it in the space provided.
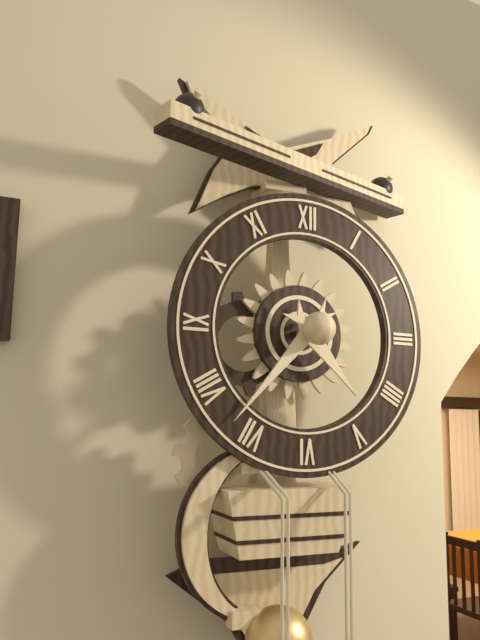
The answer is 4:37
